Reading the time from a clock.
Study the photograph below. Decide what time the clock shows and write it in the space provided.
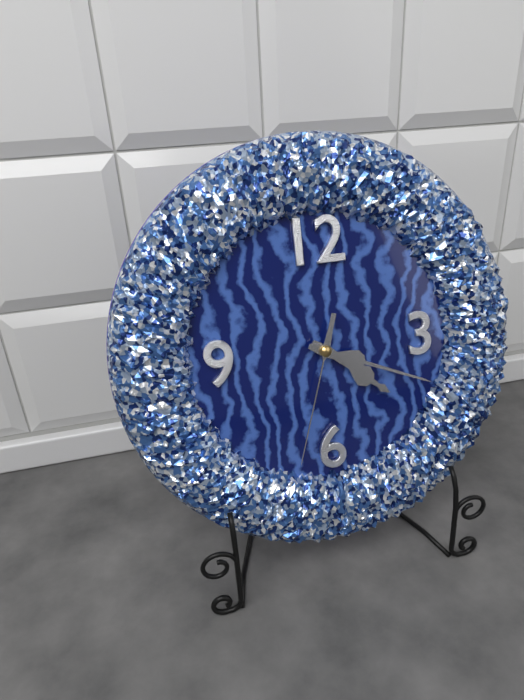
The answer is 4:19:33
